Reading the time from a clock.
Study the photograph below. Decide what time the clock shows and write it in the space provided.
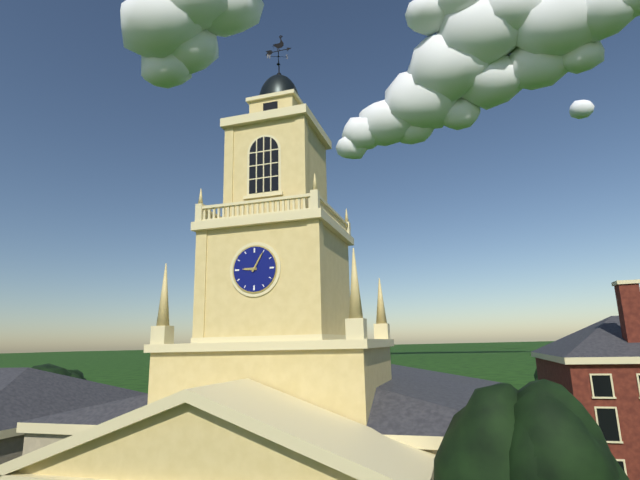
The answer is 9:05
